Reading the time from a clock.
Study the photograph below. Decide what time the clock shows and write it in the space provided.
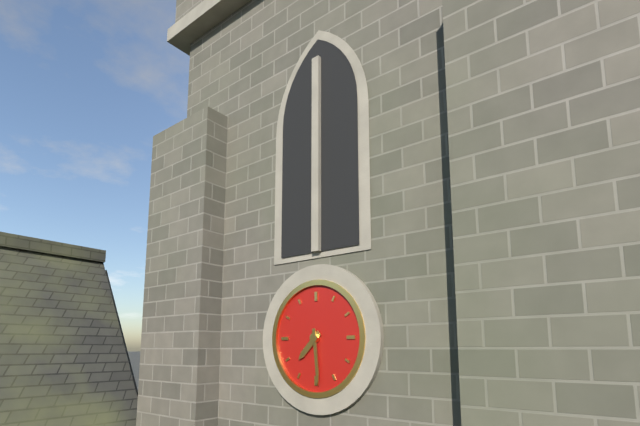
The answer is 7:29
